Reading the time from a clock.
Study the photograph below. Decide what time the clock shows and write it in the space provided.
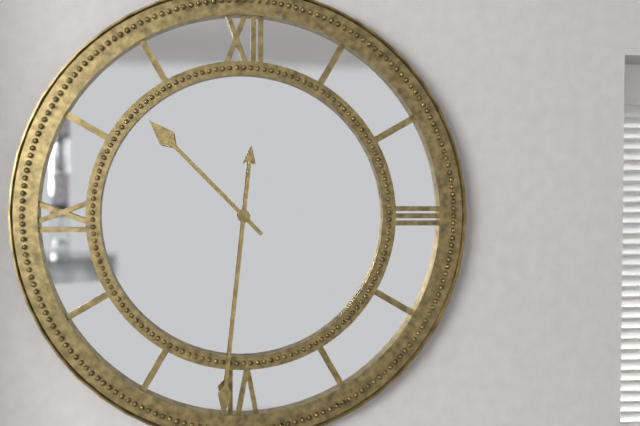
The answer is 10:31
